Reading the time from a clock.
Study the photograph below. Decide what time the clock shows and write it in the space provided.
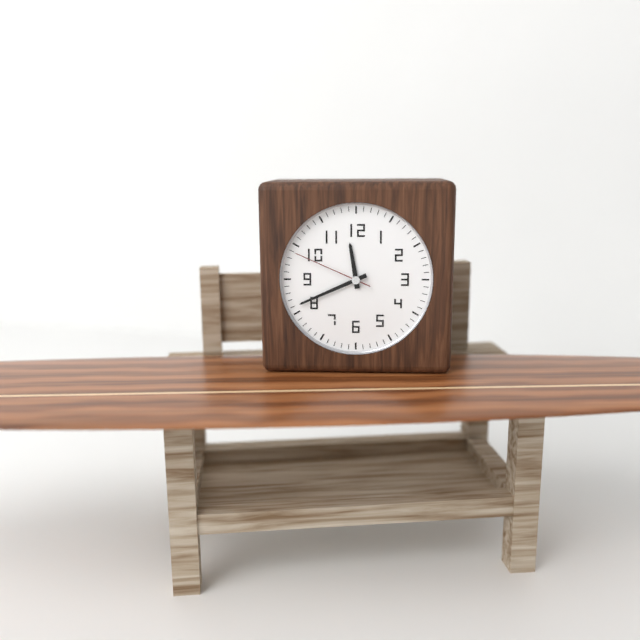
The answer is 11:41:49
